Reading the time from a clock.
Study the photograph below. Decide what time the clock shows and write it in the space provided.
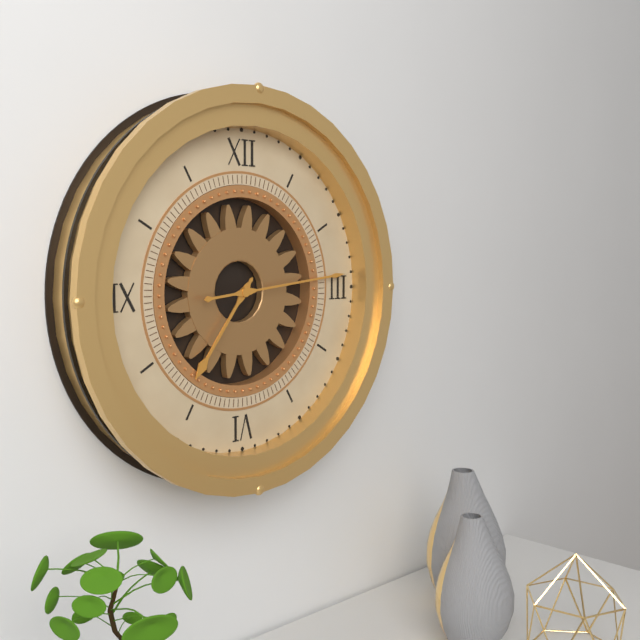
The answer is 7:14
